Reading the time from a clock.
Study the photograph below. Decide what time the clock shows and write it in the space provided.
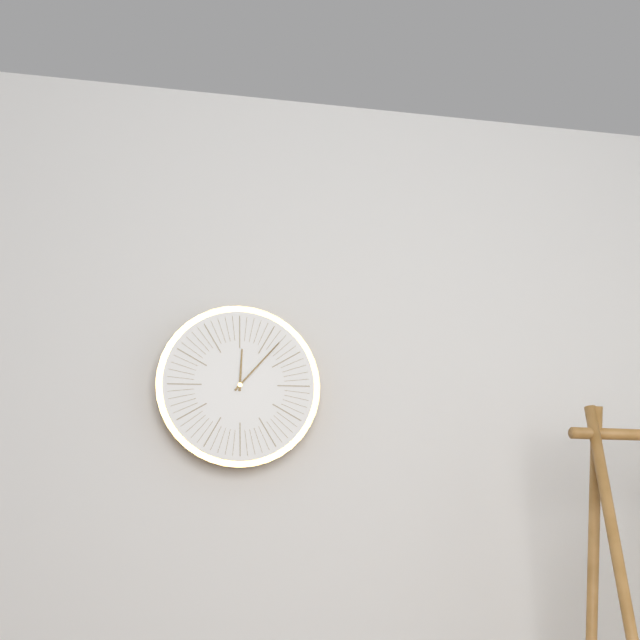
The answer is 12:07
